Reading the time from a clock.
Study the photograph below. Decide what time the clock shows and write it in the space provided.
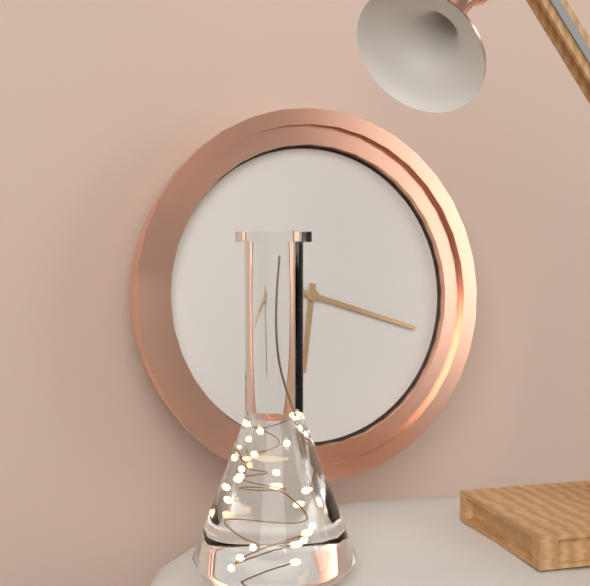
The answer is 6:18
